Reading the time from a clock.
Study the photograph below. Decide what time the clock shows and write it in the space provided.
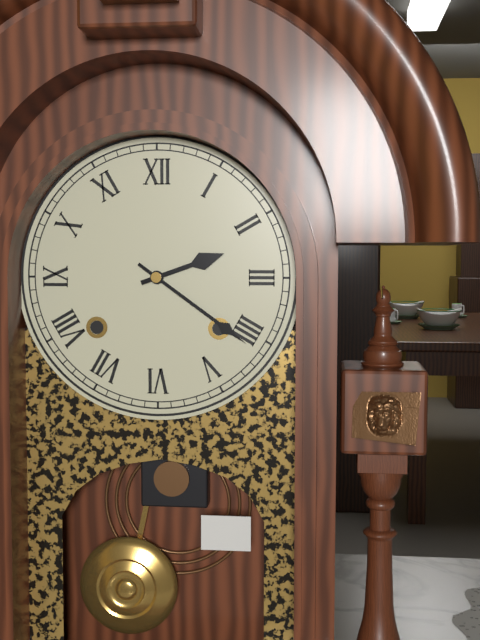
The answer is 2:21
